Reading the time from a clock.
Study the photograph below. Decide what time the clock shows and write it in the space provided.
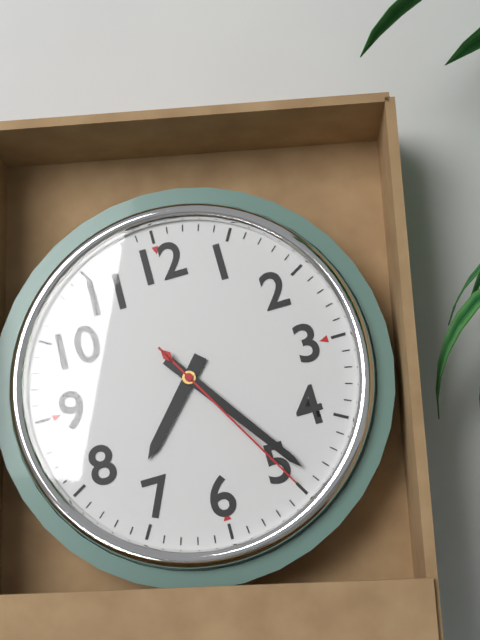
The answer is 7:24:25
